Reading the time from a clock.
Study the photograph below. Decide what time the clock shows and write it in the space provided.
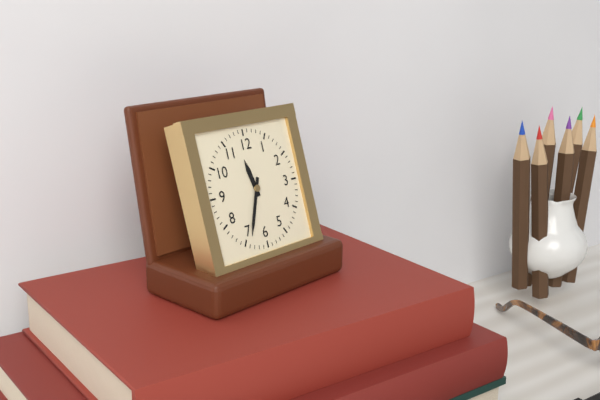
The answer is 11:34
